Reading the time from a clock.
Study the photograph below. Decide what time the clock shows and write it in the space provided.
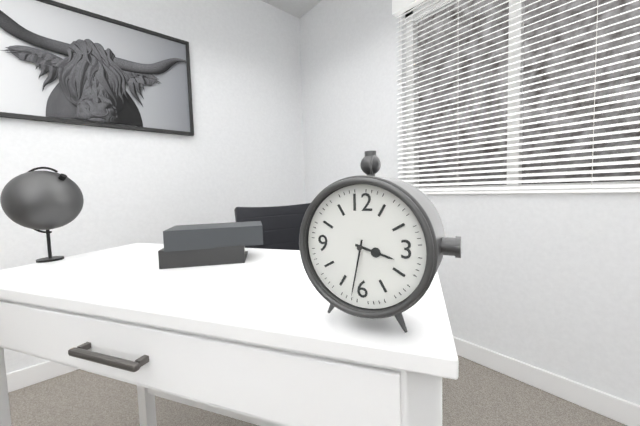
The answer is 3:32
